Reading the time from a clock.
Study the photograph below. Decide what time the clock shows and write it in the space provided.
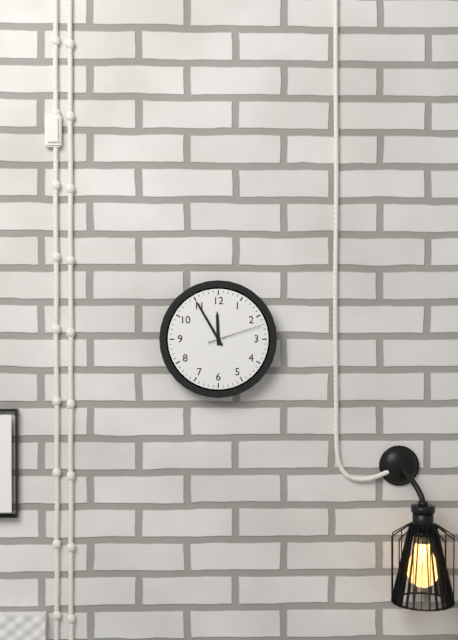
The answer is 11:55:12
